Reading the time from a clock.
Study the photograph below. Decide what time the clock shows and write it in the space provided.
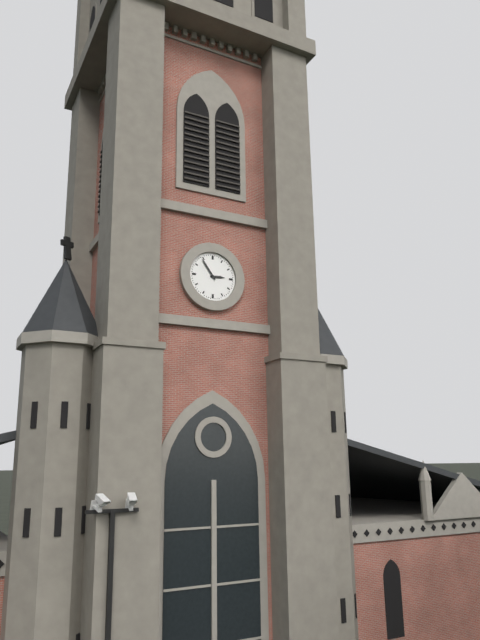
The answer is 2:54
